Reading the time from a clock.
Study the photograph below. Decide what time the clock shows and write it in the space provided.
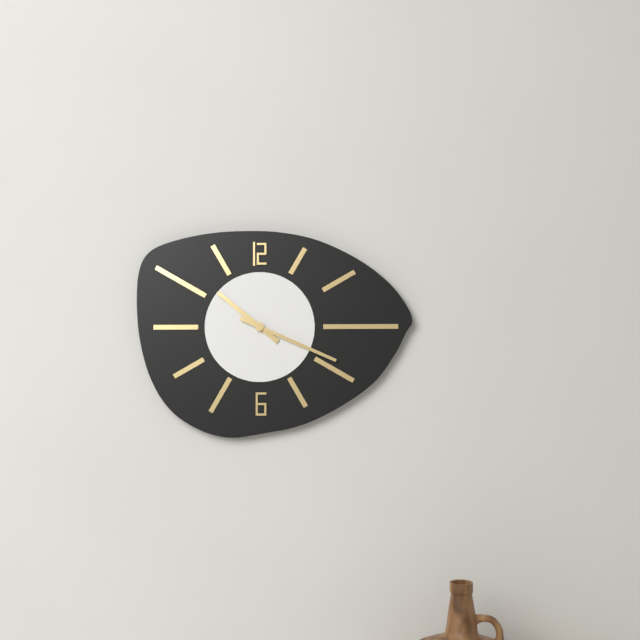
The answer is 10:19
